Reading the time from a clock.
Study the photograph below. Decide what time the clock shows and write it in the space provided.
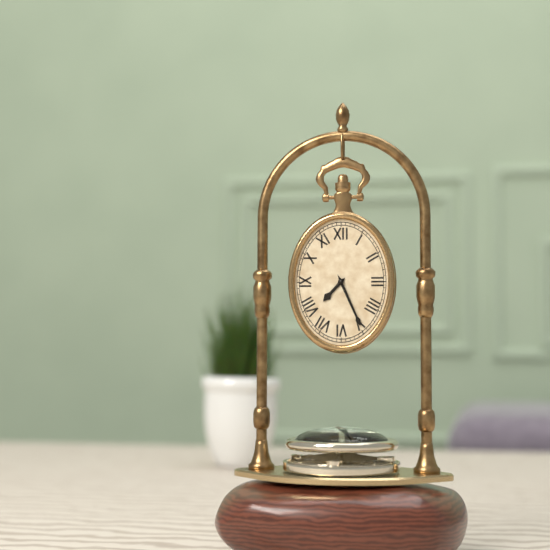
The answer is 7:26
